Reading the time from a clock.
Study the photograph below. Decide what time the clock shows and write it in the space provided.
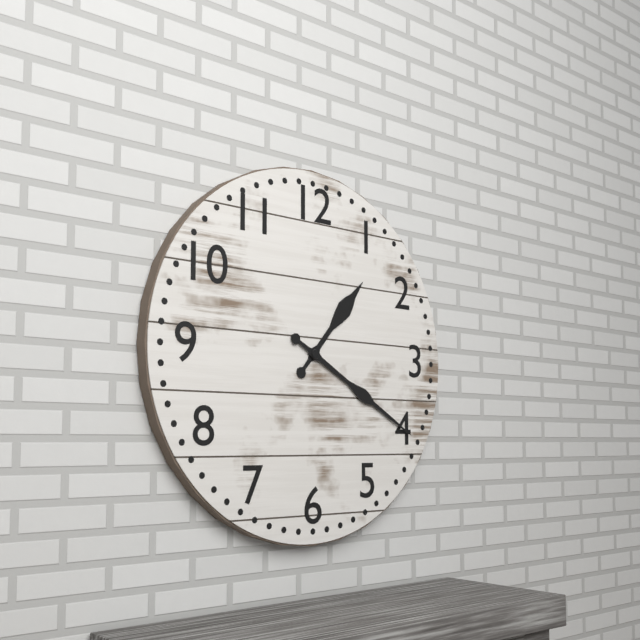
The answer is 1:20
